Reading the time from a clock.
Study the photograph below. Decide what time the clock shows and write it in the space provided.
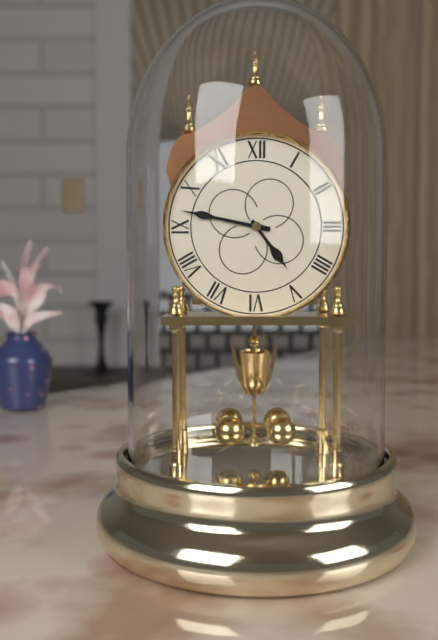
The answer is 4:47
